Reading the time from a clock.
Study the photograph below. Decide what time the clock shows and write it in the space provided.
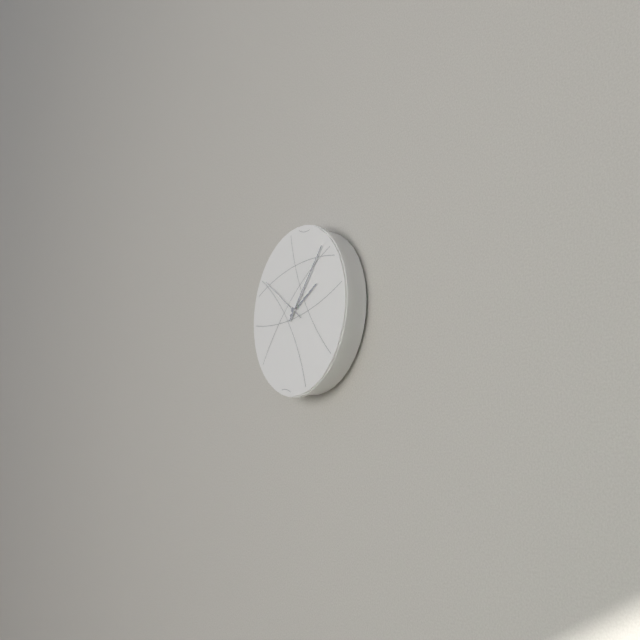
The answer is 2:07
